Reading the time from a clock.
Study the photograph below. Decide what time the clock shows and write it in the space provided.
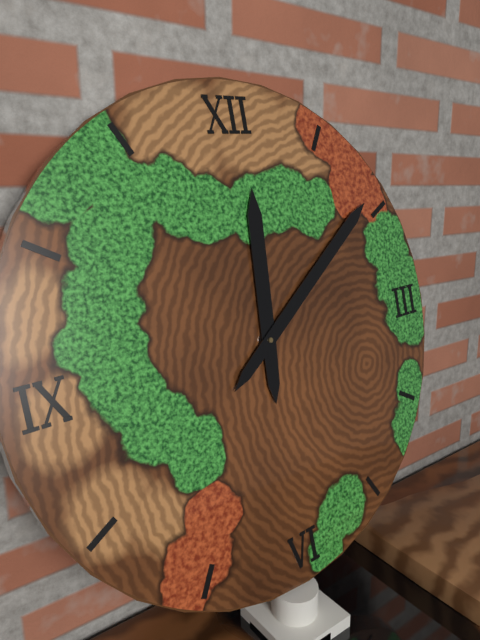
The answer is 12:09
